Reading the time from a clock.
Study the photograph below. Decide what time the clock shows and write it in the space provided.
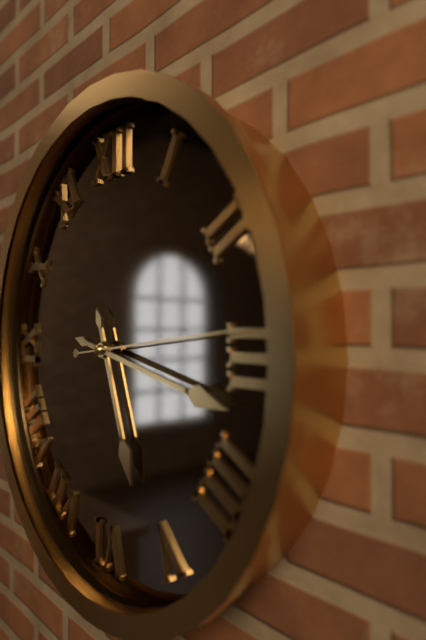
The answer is 5:17:14
